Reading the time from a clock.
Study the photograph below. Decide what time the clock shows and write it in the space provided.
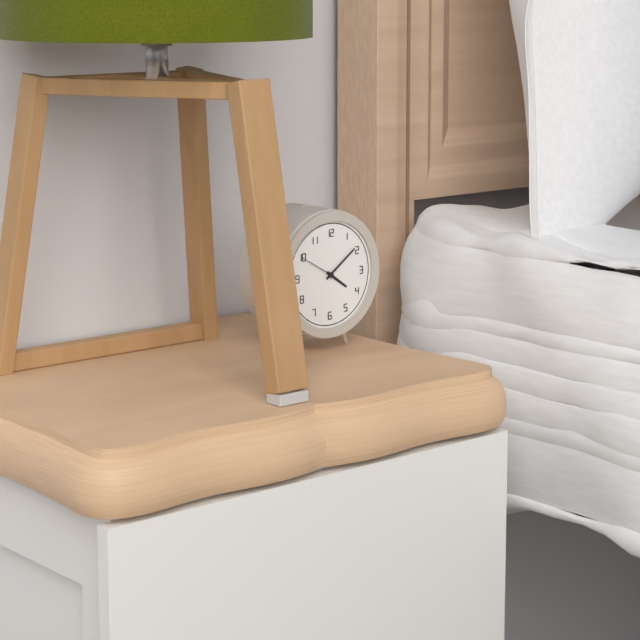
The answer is 4:09
